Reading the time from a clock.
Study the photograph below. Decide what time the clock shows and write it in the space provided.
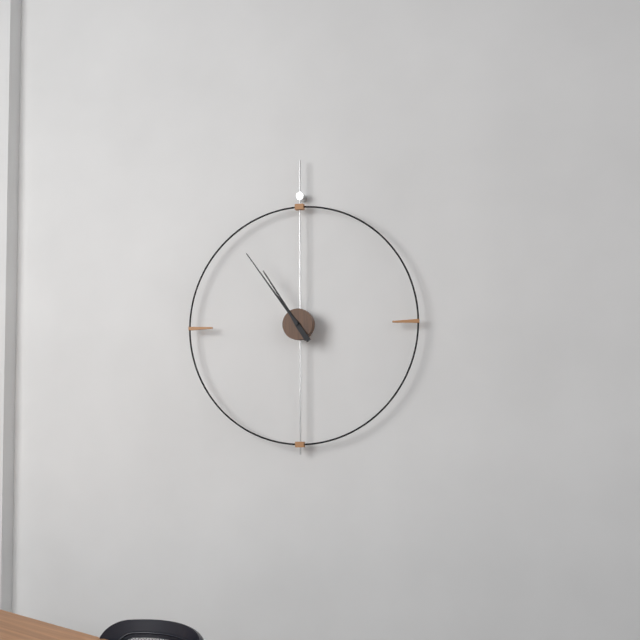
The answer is 10:54
